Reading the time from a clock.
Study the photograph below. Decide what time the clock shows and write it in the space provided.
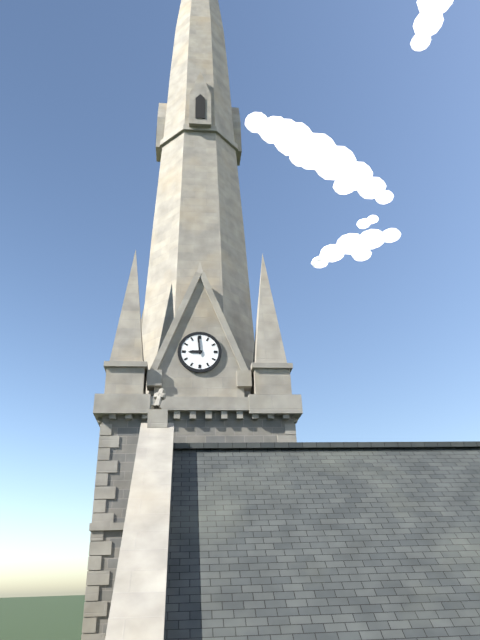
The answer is 8:59
